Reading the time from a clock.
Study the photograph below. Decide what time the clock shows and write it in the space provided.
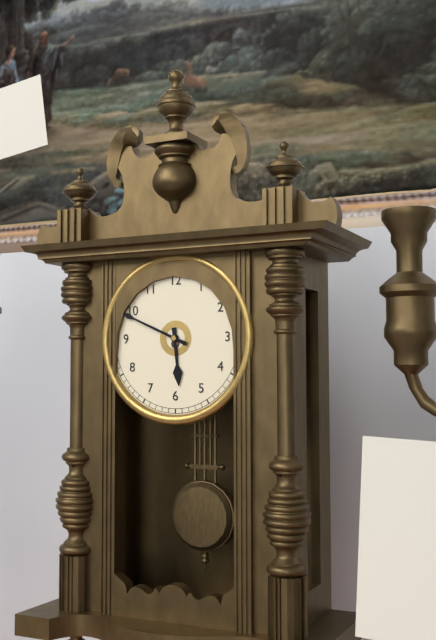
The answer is 5:49
